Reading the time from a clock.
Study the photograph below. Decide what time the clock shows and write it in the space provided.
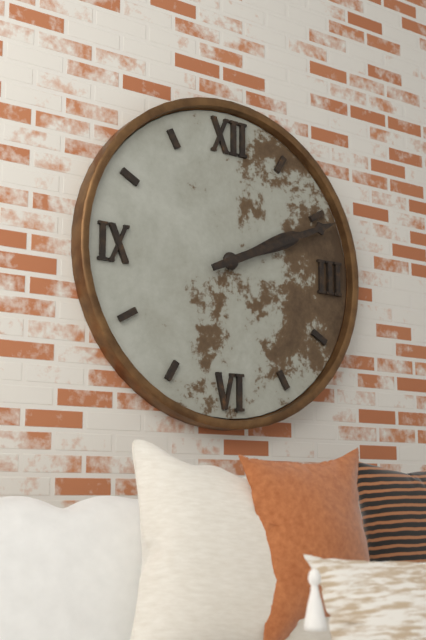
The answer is 2:11
